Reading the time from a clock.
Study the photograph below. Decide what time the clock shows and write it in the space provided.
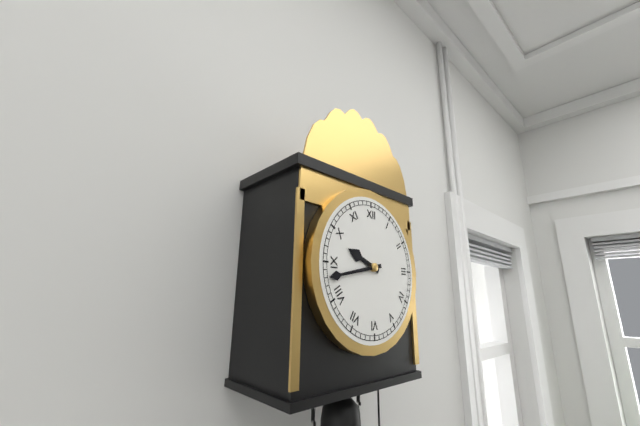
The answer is 9:43
